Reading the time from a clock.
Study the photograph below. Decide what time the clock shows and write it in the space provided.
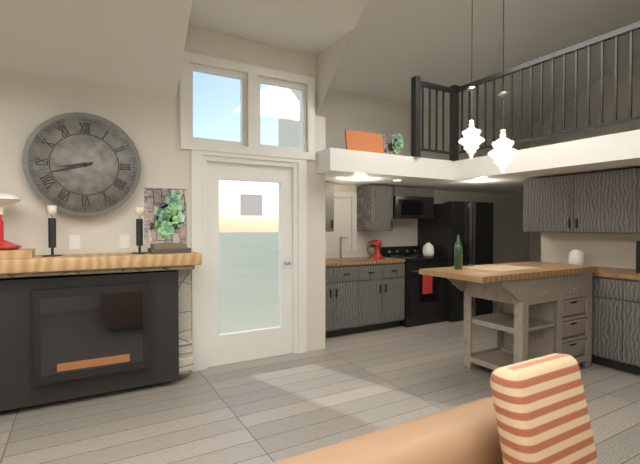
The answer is 8:42
